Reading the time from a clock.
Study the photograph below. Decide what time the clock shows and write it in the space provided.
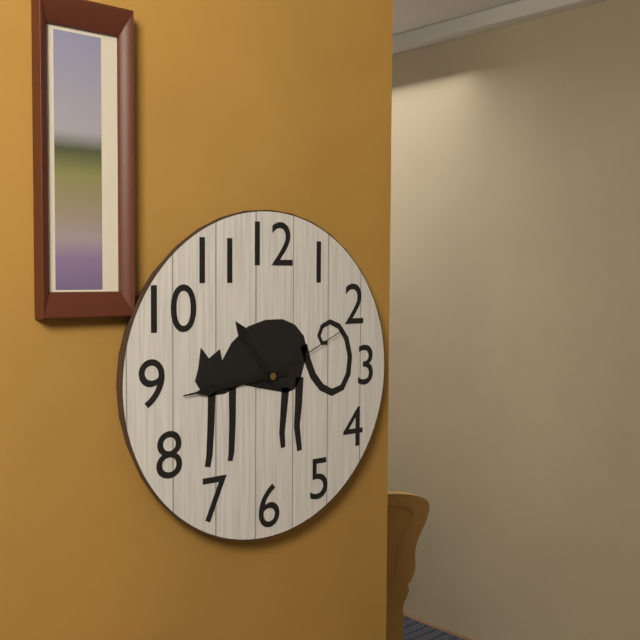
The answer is 10:44:11
